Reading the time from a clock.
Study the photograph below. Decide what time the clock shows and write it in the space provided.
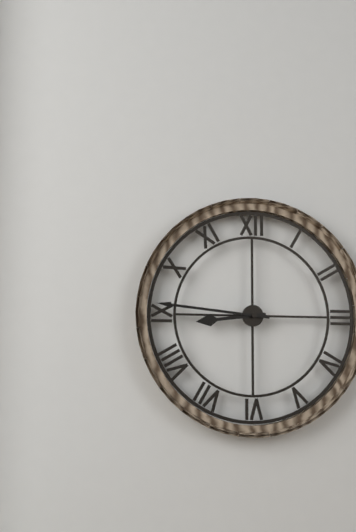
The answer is 8:46
